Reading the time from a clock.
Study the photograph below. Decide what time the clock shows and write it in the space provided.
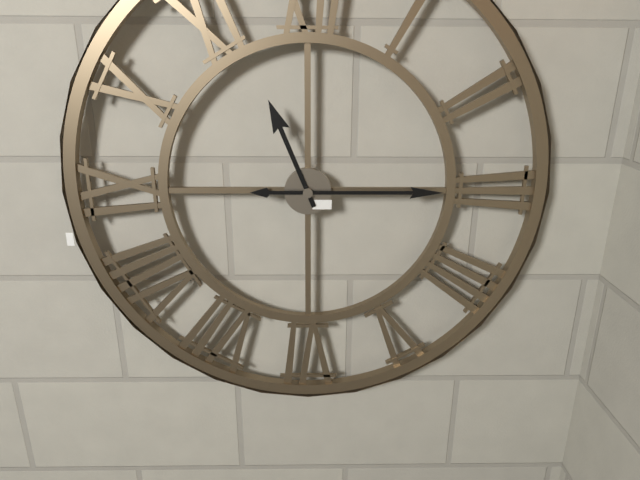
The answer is 11:15
